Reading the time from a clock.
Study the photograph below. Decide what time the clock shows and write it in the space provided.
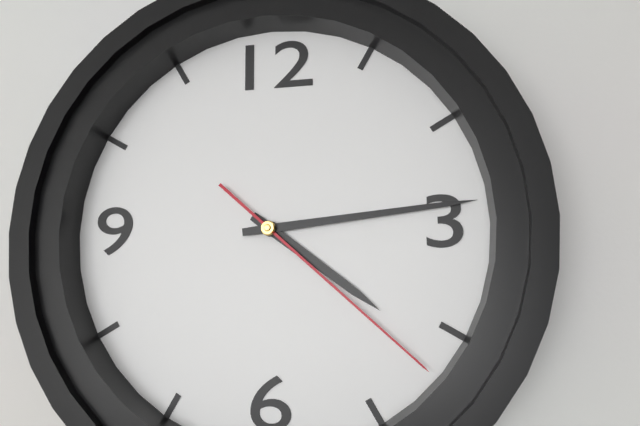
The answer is 4:14:22
